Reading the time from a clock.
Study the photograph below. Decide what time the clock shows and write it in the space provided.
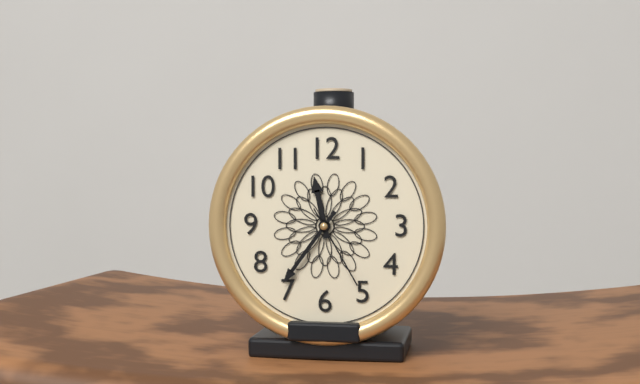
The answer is 11:36:25
